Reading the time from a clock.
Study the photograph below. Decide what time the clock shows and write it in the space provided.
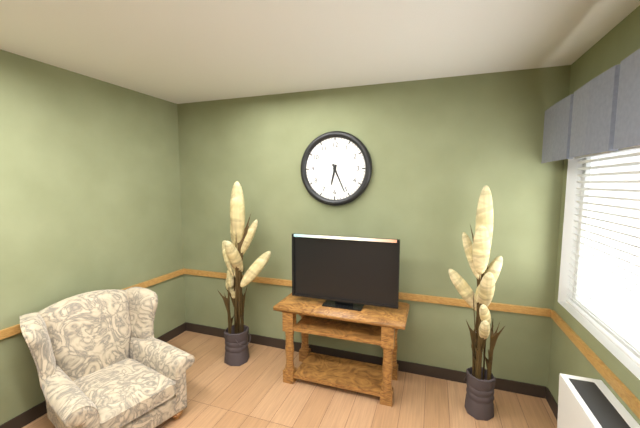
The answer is 6:26
